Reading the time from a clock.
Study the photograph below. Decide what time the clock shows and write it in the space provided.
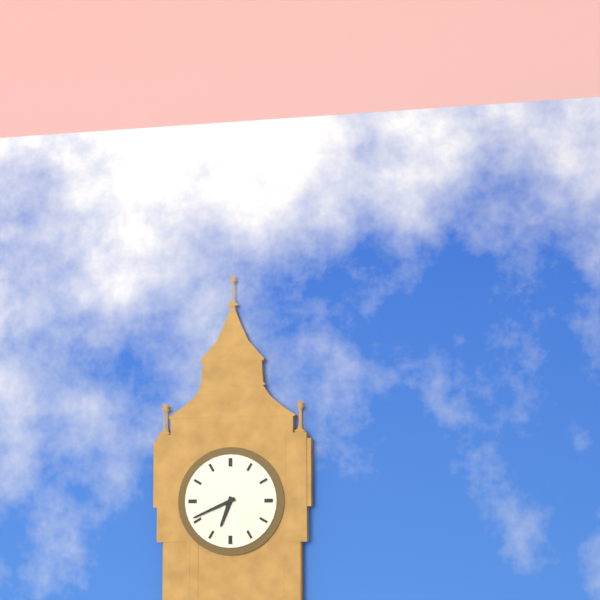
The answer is 6:41
